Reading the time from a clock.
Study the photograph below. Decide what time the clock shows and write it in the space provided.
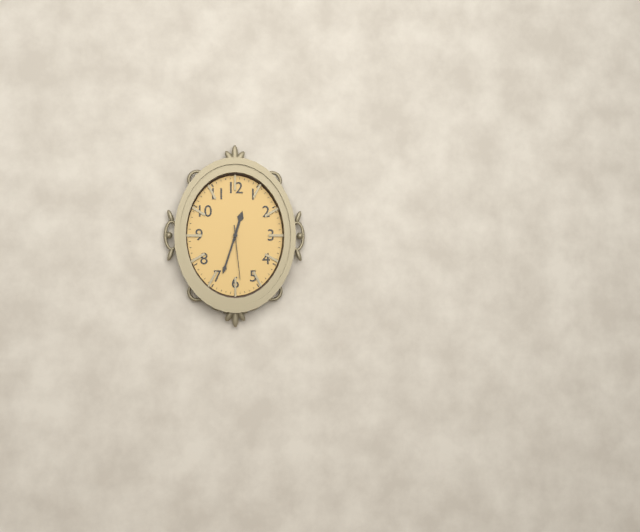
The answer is 12:33:29
